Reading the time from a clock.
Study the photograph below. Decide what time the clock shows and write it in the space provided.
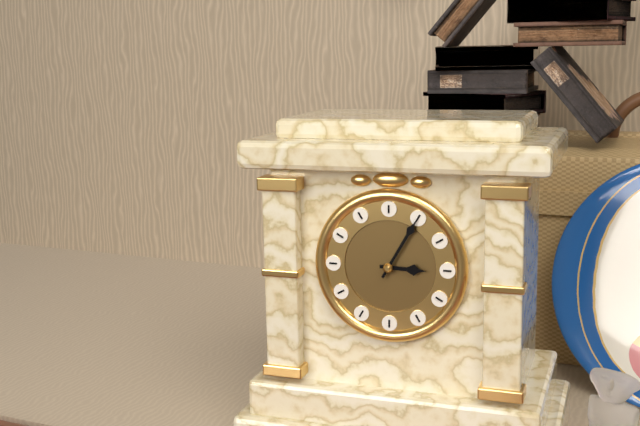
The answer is 3:05
